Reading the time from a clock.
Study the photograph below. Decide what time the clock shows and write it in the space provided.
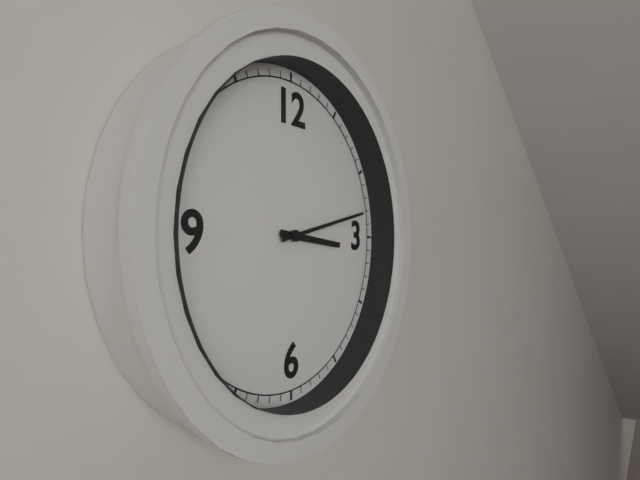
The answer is 3:13
